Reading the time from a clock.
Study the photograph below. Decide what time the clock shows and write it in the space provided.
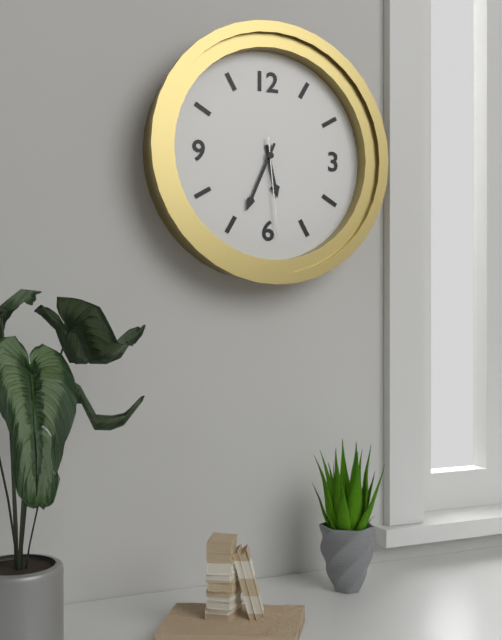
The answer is 5:34:29
